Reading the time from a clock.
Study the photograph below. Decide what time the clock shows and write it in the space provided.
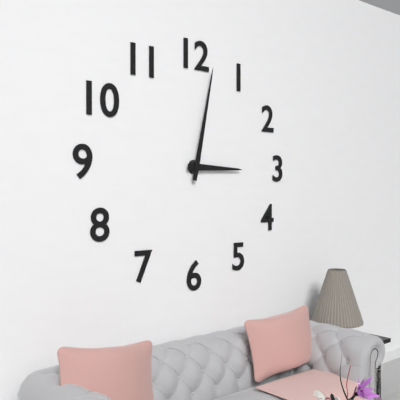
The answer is 3:02
